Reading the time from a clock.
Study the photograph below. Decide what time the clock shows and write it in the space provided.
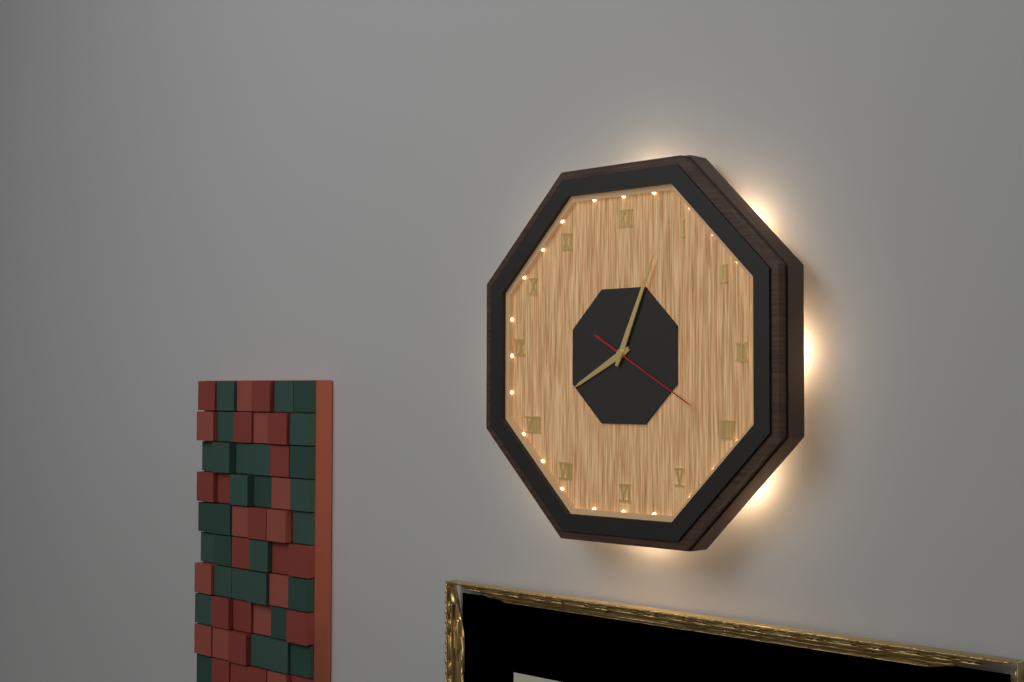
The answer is 8:04:20
